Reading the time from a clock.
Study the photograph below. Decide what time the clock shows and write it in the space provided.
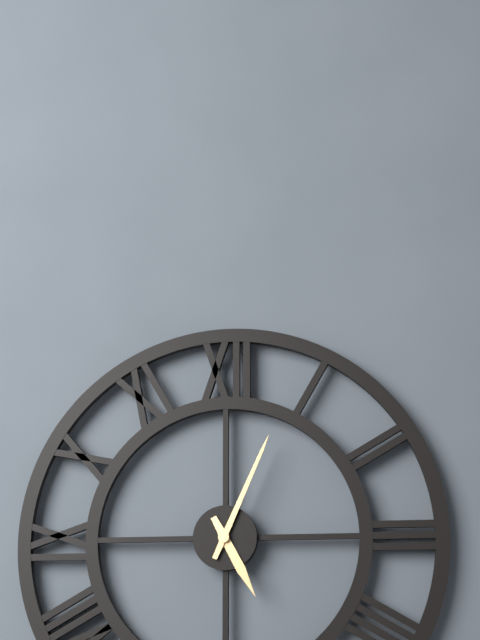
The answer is 5:04
